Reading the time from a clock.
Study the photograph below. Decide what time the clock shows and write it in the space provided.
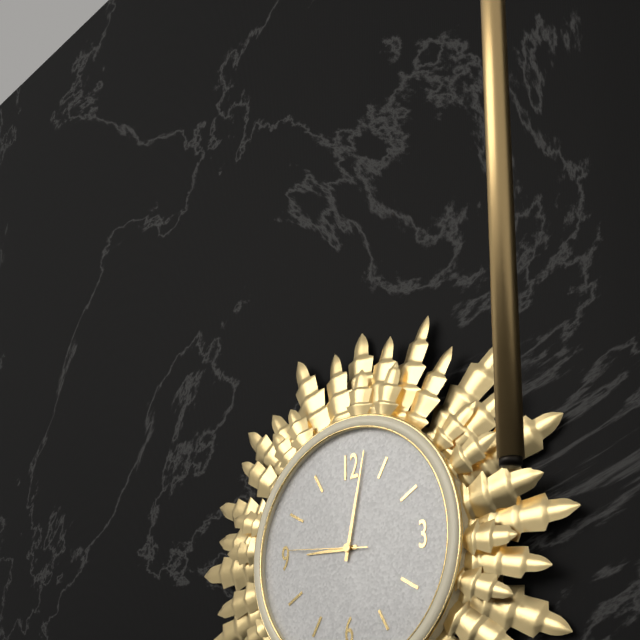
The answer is 9:02:46
